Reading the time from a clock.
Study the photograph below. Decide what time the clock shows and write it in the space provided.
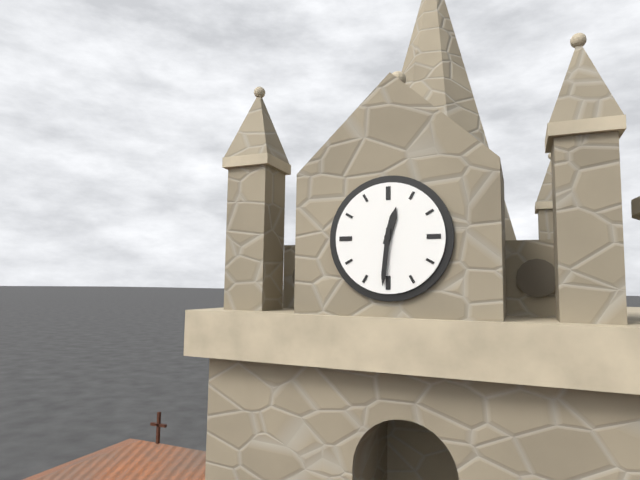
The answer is 12:31
